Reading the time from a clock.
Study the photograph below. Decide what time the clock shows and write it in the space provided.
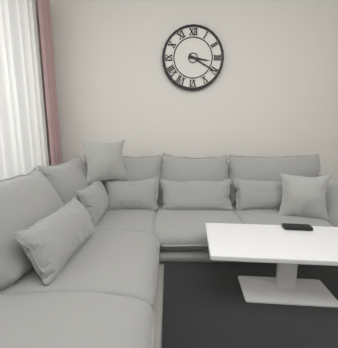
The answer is 3:20
